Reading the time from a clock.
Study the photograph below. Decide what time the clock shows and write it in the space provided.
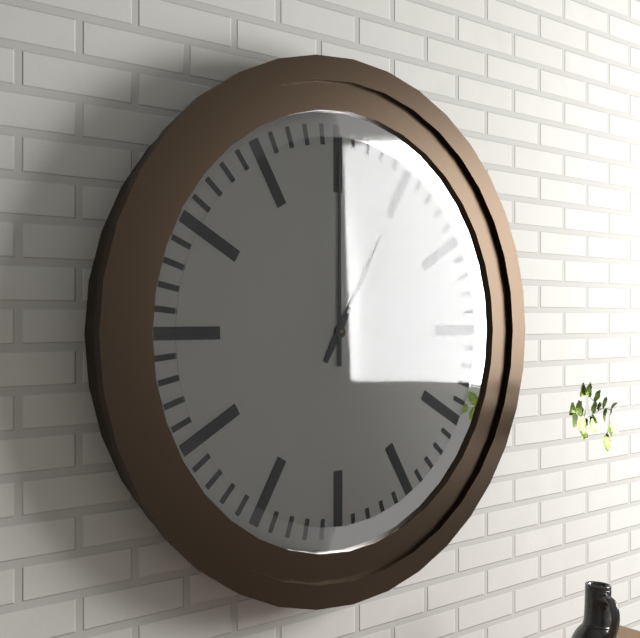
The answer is 1:00
